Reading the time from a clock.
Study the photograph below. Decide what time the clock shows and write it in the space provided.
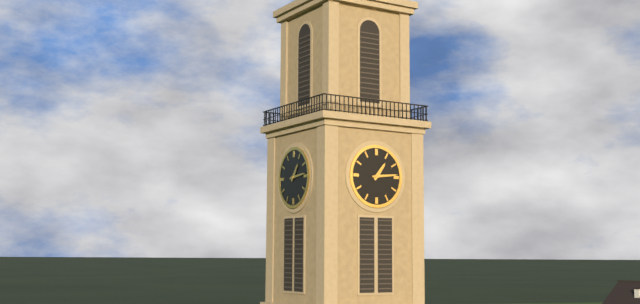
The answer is 1:14
